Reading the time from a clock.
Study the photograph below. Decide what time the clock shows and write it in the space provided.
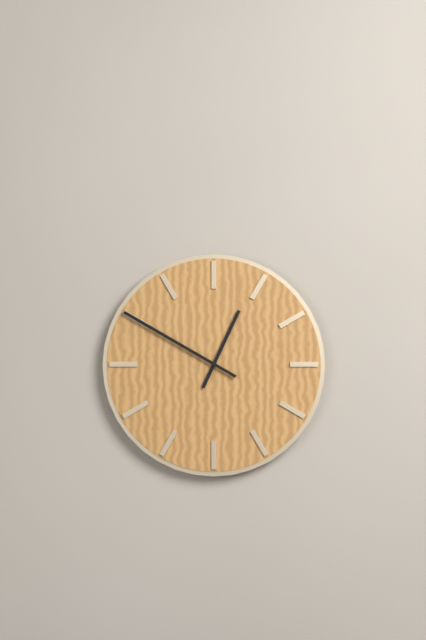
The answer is 12:50
